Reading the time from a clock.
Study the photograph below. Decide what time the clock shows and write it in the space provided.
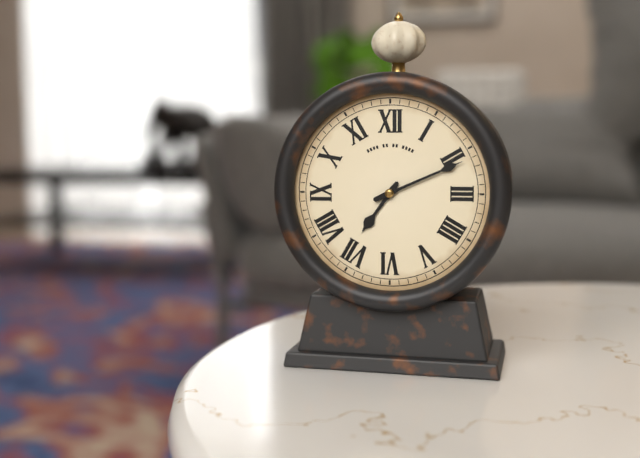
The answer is 7:11
